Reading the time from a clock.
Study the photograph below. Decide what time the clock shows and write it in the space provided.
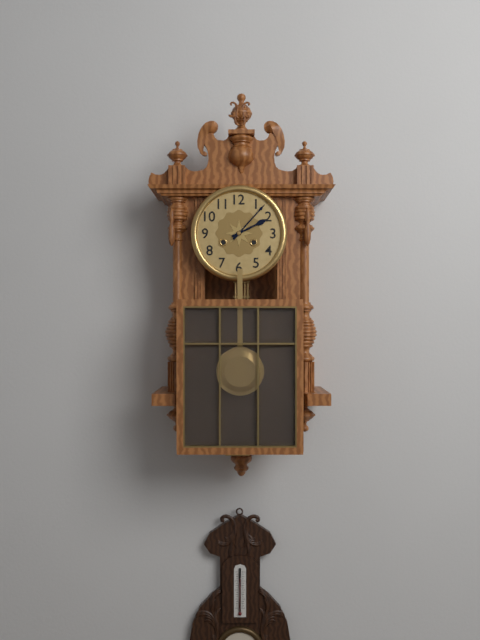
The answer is 2:07
